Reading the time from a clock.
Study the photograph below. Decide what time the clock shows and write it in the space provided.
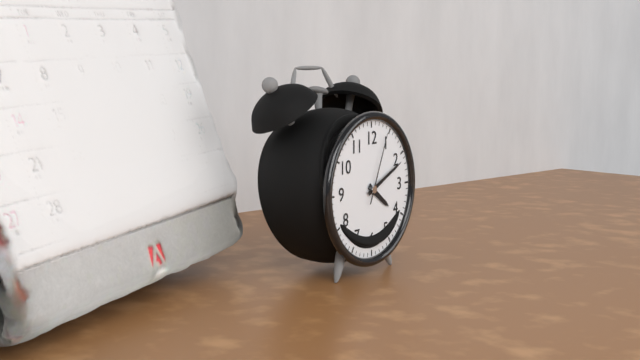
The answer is 4:11:04
